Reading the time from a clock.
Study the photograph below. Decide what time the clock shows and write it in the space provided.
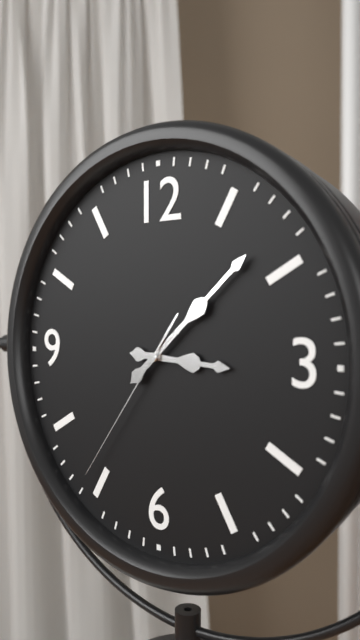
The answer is 3:08:36
